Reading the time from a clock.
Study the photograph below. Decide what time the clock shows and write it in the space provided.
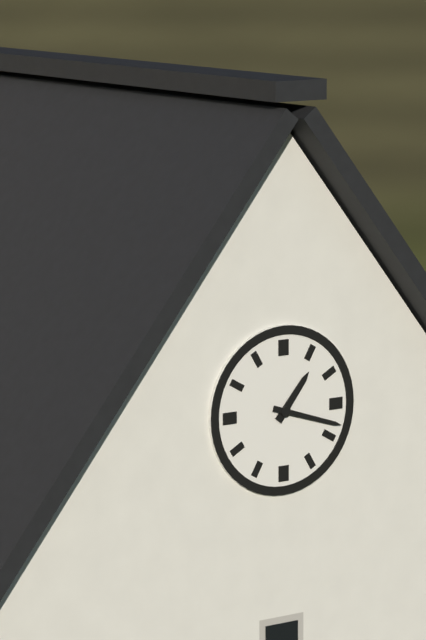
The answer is 1:18
